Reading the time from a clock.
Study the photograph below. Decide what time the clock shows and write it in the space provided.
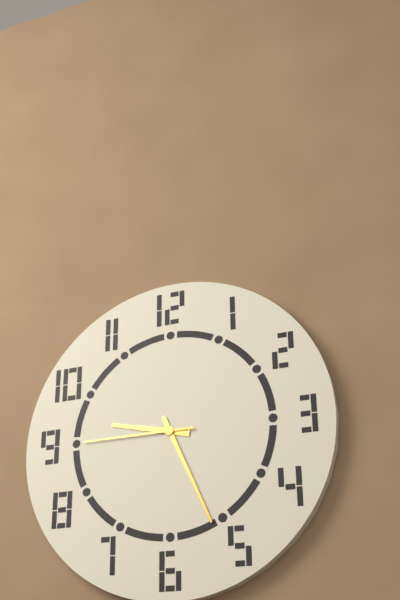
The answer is 9:26:45
